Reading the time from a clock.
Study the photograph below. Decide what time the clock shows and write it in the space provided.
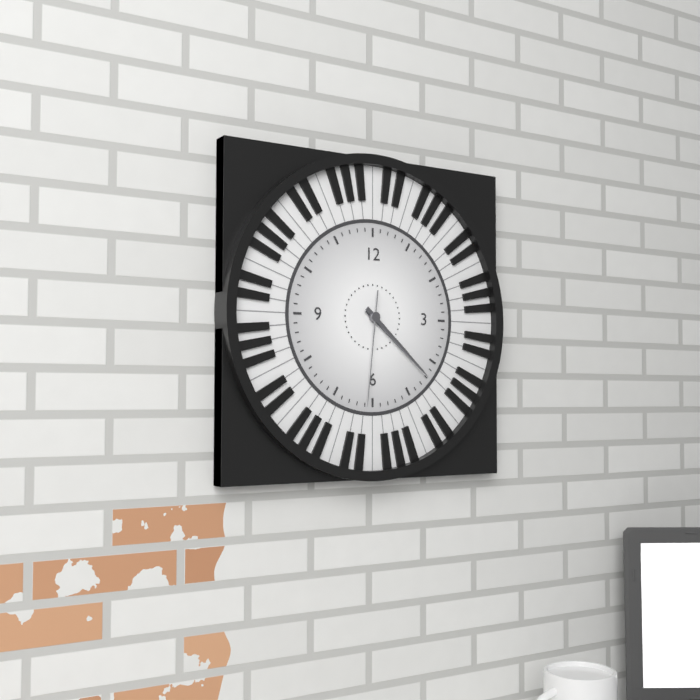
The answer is 4:22:31
